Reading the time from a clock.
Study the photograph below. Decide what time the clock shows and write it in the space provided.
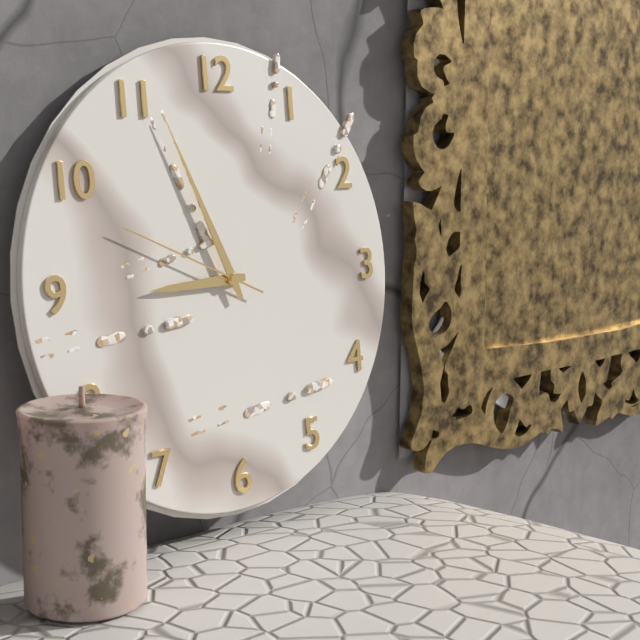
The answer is 8:56:49
